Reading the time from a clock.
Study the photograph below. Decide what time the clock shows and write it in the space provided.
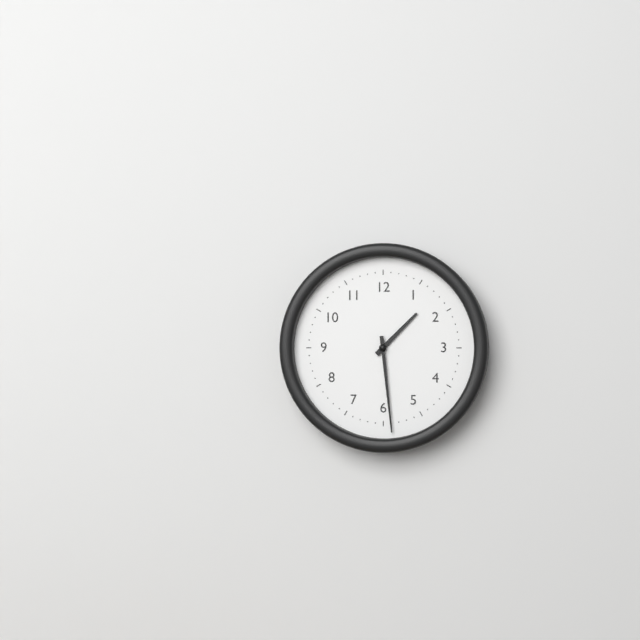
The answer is 1:29
